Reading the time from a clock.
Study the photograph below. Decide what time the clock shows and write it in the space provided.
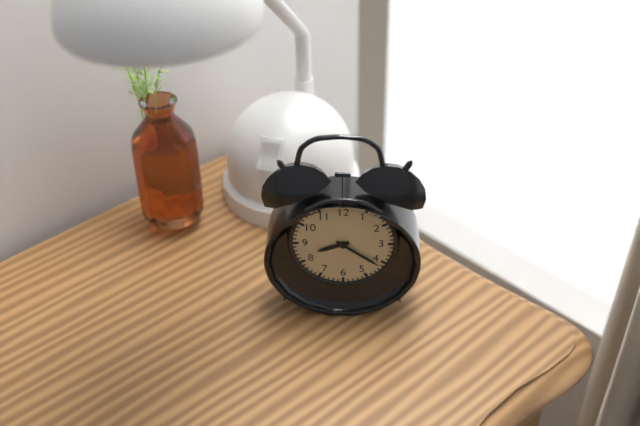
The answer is 8:21
